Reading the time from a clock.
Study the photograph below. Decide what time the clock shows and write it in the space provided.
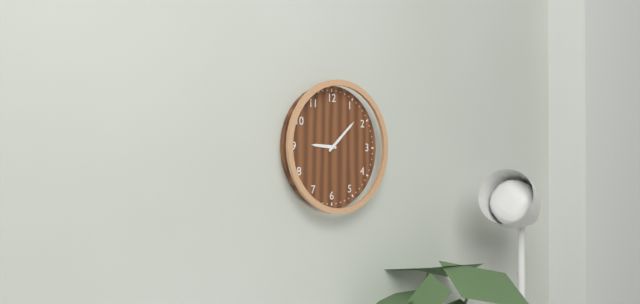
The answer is 9:08
